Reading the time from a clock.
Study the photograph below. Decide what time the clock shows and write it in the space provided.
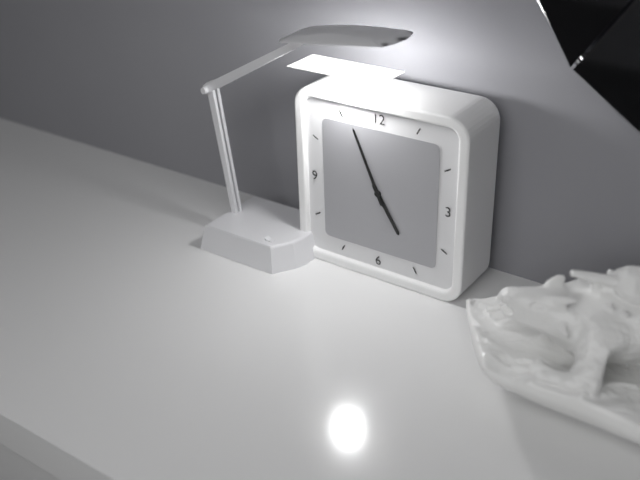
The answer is 4:56
